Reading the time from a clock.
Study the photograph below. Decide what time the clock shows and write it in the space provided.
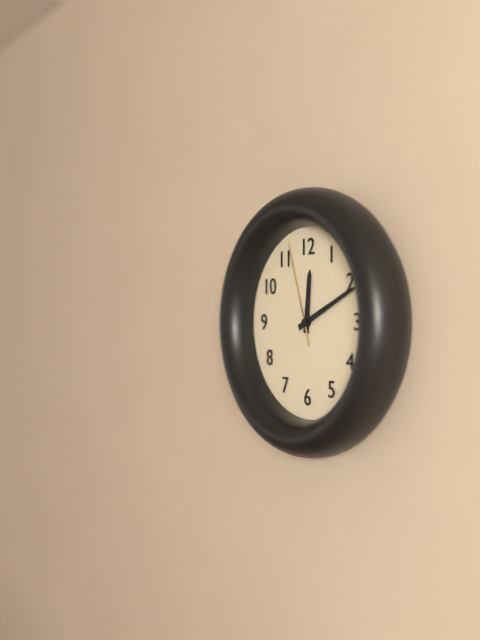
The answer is 12:11:57
